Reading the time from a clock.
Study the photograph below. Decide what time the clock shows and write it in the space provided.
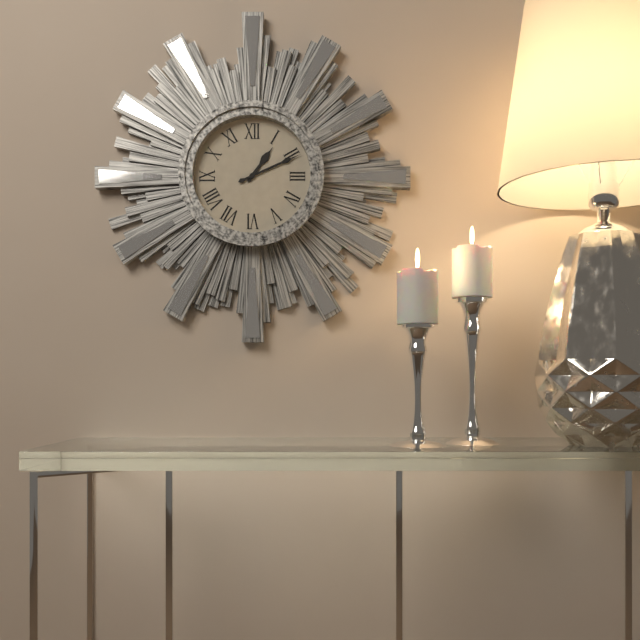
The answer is 1:11
